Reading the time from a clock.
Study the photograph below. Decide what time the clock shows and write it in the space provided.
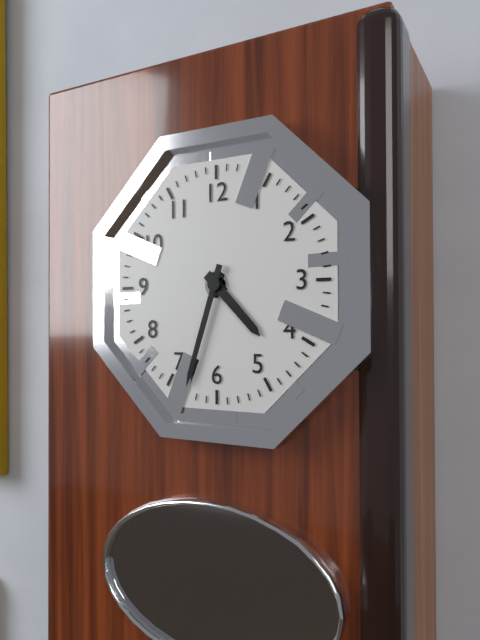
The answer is 4:33
